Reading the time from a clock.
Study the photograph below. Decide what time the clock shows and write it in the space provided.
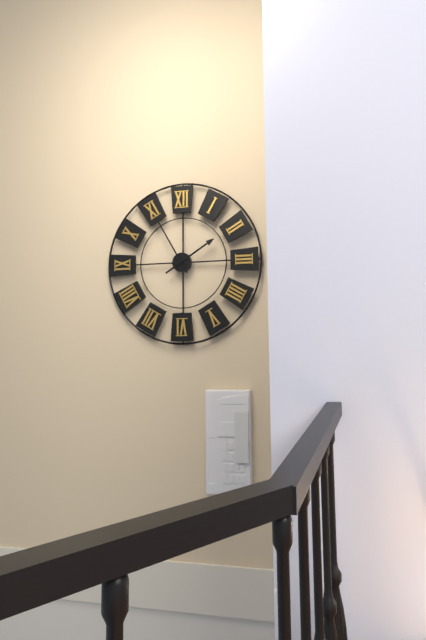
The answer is 1:55
